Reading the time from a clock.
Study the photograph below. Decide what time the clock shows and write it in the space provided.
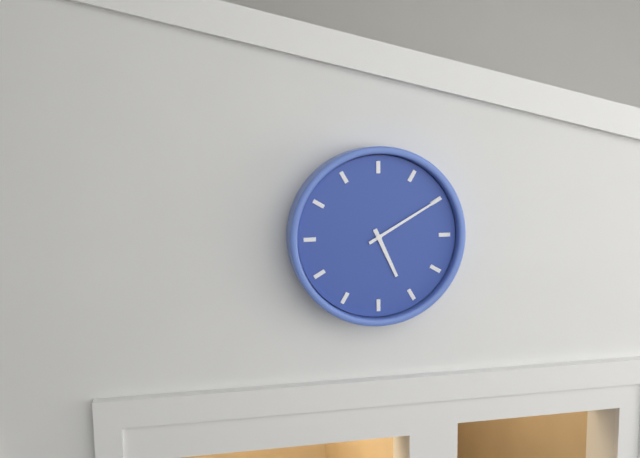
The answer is 5:10
